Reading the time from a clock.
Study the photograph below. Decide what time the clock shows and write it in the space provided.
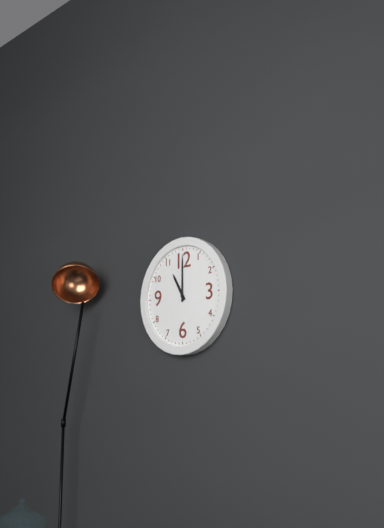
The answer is 11:00
